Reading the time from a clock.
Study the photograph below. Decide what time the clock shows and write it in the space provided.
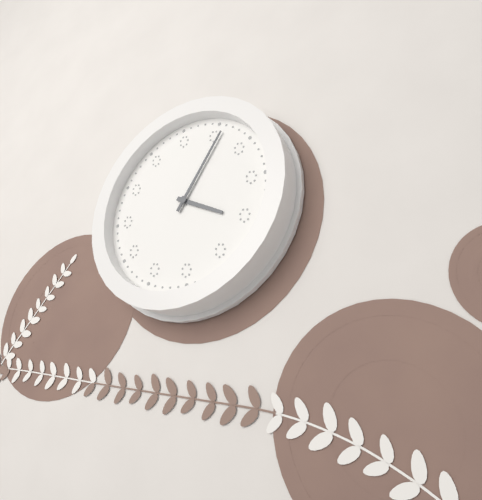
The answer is 4:06
